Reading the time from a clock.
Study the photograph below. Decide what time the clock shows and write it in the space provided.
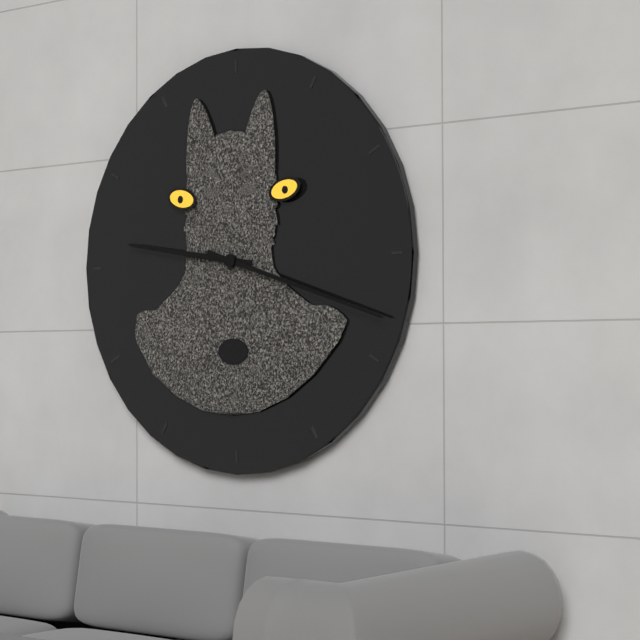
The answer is 9:18
